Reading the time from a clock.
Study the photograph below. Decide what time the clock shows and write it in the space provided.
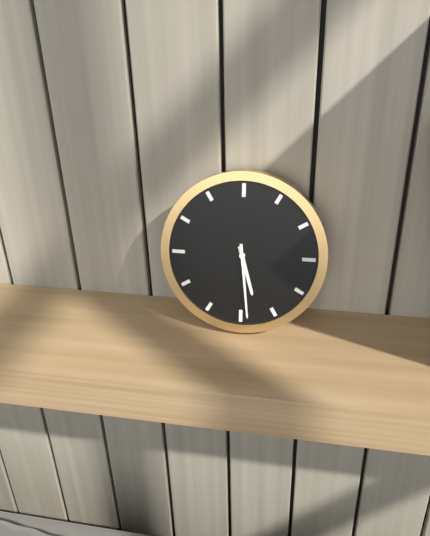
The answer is 5:29
